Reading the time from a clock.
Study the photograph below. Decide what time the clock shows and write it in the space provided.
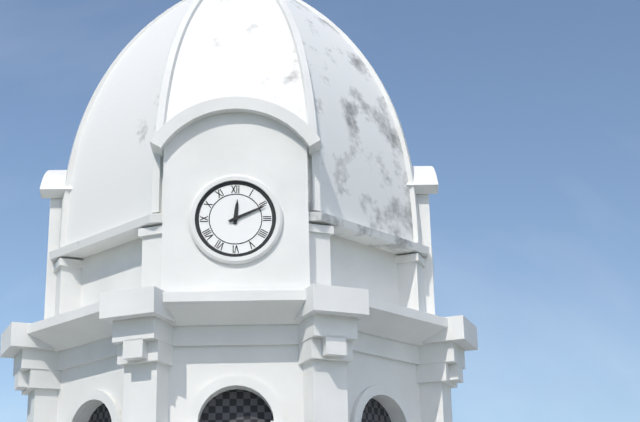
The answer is 12:11
